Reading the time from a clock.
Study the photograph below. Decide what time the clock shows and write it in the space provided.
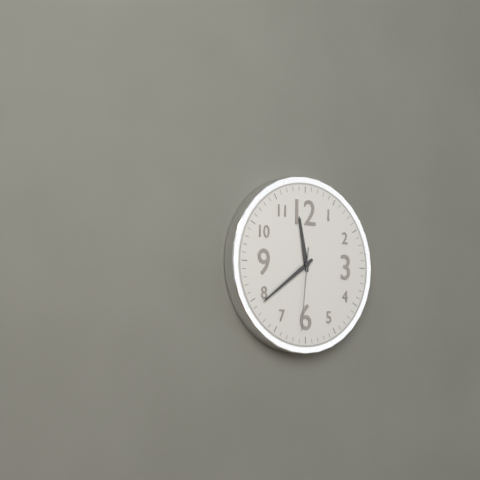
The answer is 11:39:31
